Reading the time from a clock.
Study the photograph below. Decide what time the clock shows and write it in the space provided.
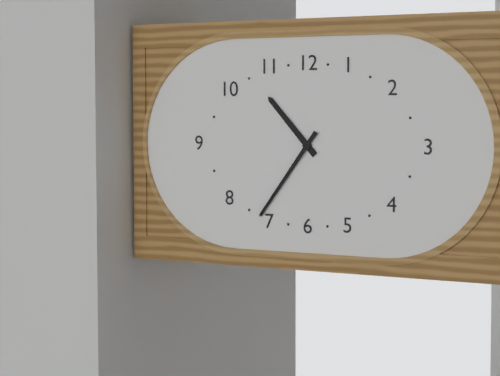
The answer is 10:36
